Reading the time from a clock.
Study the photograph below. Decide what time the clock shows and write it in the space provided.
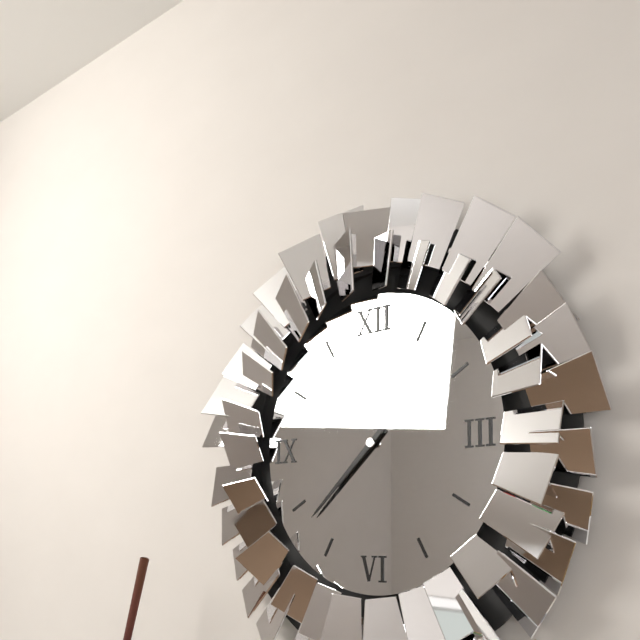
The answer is 7:38
